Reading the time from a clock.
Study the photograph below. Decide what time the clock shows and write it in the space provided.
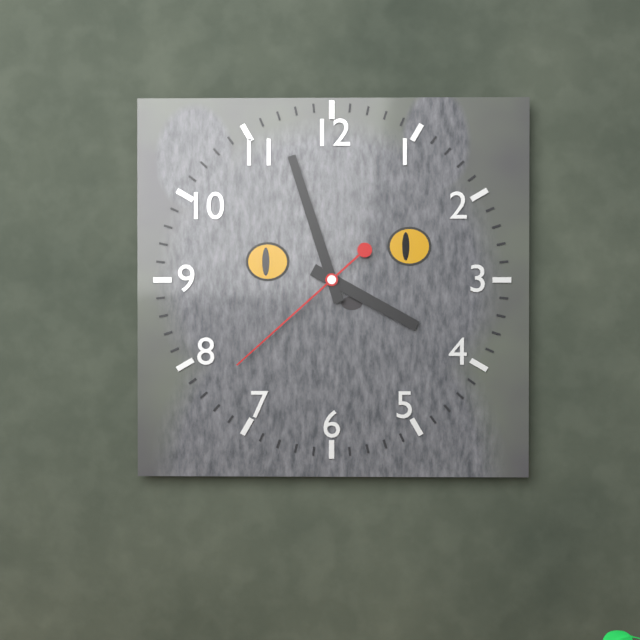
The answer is 3:57:38
